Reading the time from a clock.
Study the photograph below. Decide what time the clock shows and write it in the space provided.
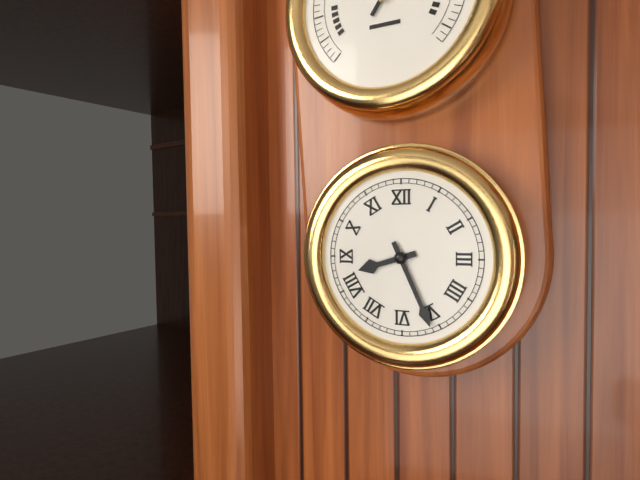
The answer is 8:26
